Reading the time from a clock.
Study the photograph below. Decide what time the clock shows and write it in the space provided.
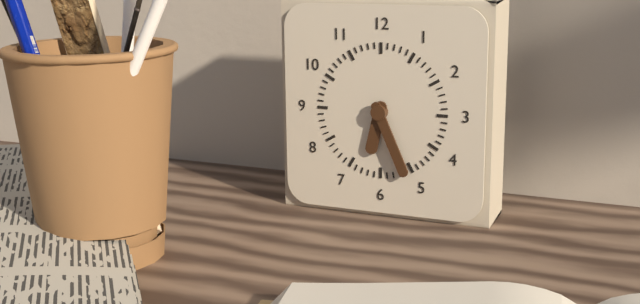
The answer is 6:26
